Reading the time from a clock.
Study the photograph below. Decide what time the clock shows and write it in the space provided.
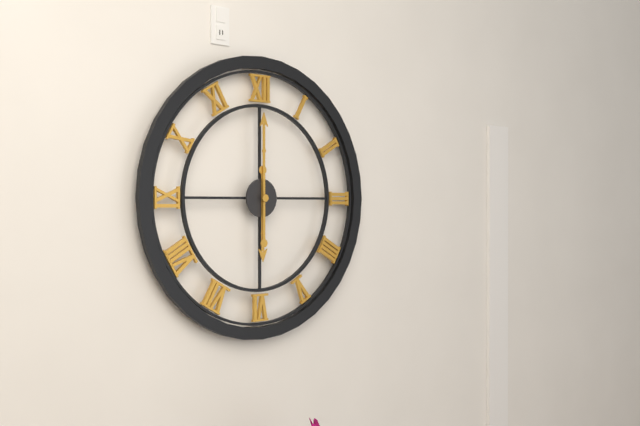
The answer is 6:00
